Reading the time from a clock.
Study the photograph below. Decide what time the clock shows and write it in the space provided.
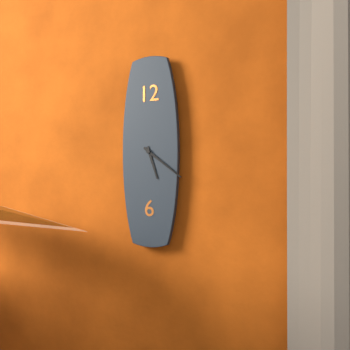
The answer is 5:21
